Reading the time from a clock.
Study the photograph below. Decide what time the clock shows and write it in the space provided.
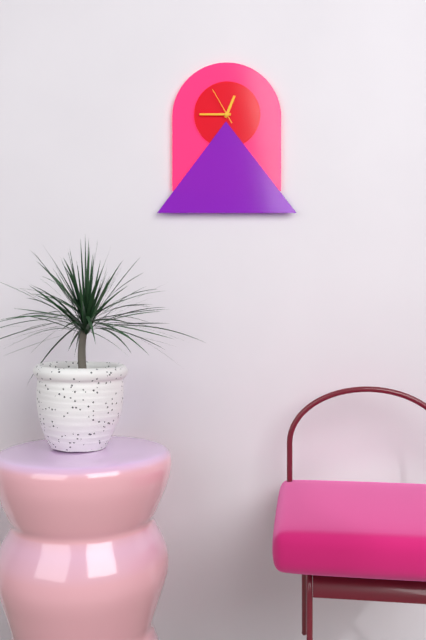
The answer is 12:45
